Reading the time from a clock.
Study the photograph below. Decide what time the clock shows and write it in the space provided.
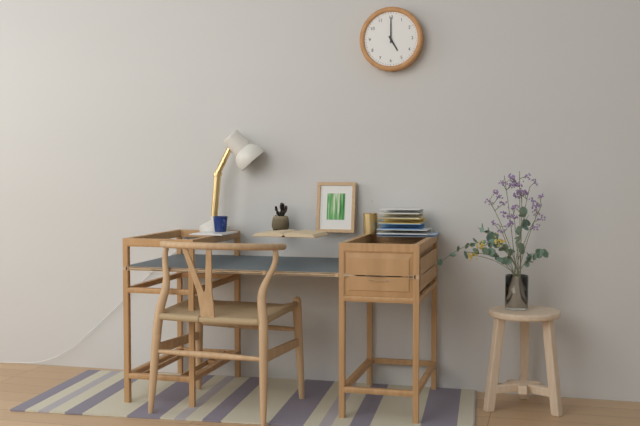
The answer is 5:00
